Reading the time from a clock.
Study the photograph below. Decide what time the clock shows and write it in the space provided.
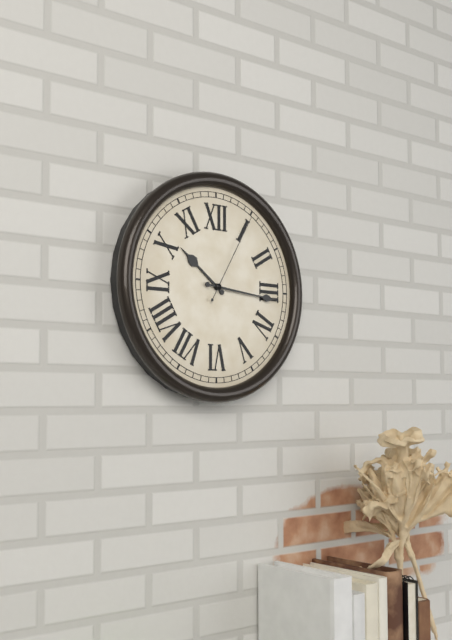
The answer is 10:16:05
